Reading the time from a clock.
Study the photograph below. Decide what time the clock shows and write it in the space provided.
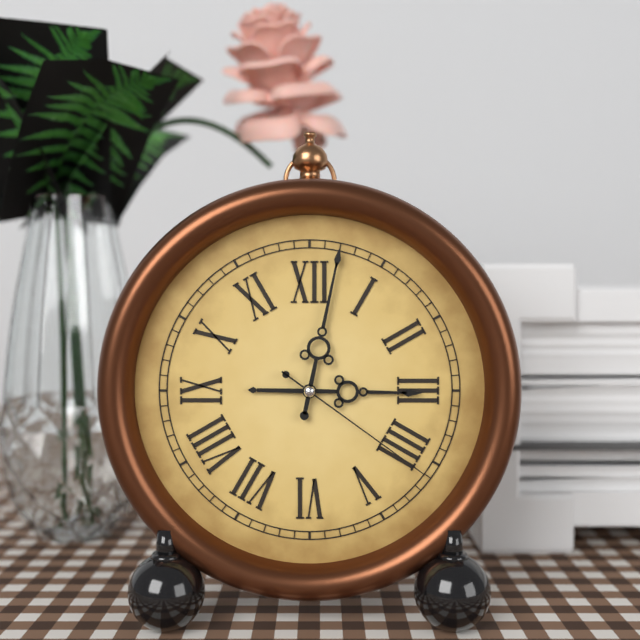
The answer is 3:02:21
